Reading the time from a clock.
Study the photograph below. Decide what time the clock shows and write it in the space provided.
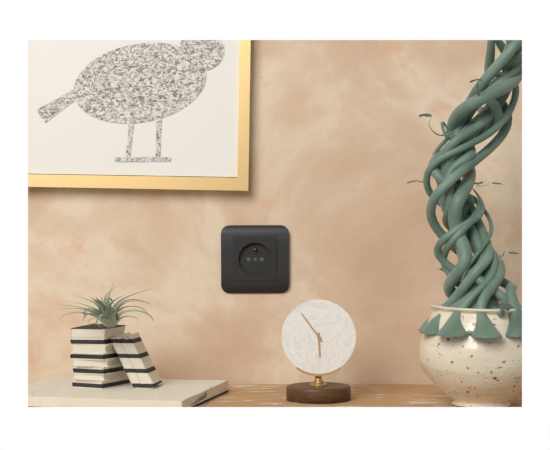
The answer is 5:54
